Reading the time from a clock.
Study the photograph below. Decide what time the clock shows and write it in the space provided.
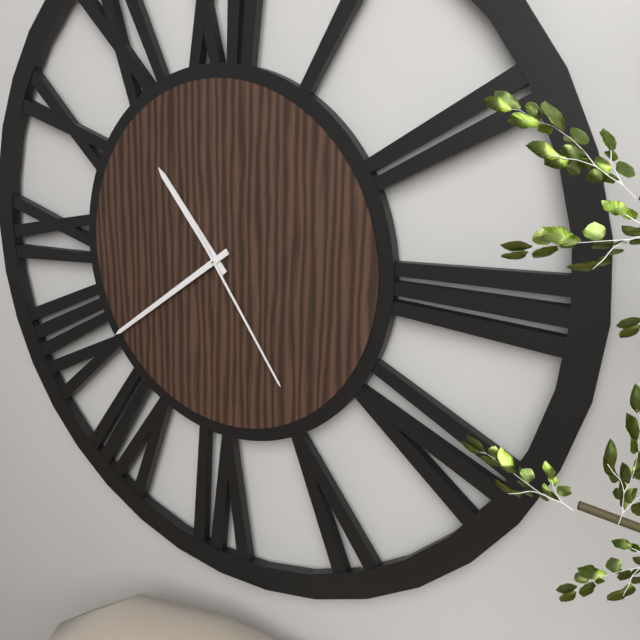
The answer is 10:39:24
